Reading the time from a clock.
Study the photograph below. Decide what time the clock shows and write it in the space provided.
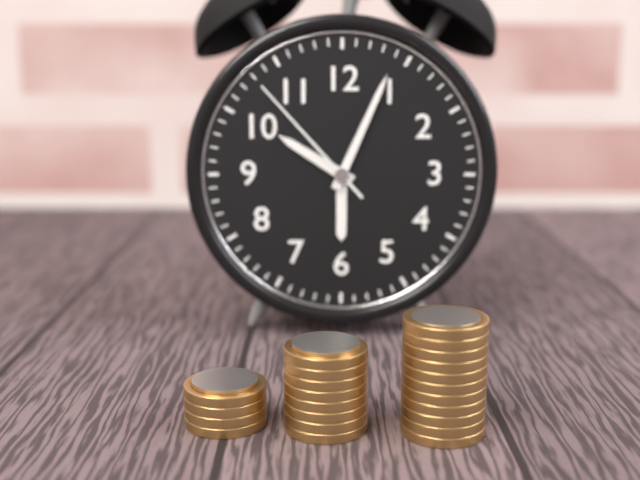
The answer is 10:04:53
